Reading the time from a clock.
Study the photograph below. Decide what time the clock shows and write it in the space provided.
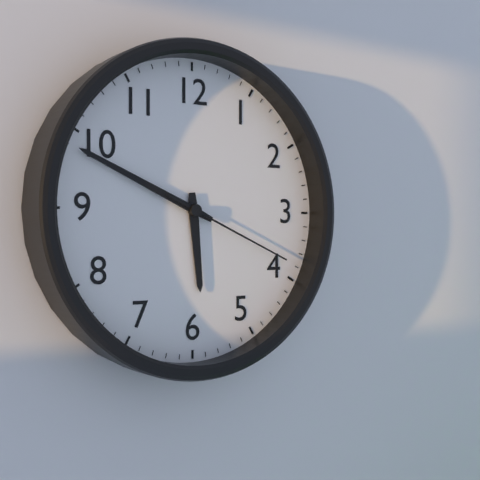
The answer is 5:49:19
